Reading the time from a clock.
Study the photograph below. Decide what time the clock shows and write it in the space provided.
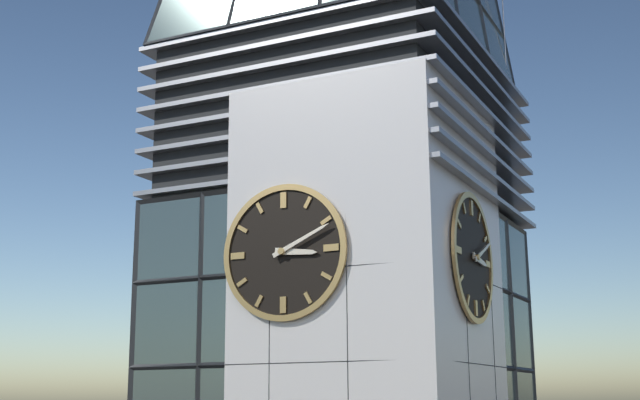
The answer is 3:11
